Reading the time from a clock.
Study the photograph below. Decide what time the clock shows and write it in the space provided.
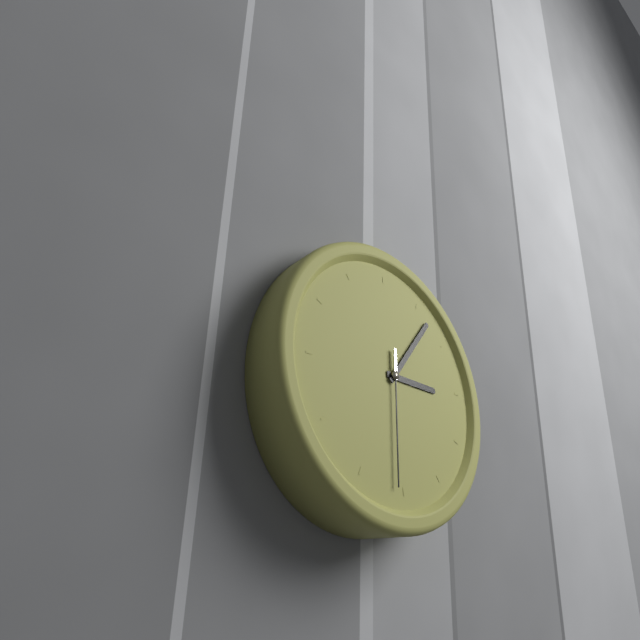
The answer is 3:07:31
